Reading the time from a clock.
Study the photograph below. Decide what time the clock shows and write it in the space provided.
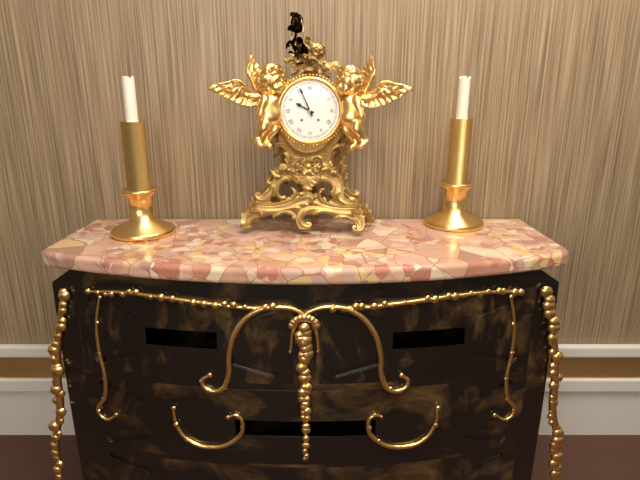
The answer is 9:56
